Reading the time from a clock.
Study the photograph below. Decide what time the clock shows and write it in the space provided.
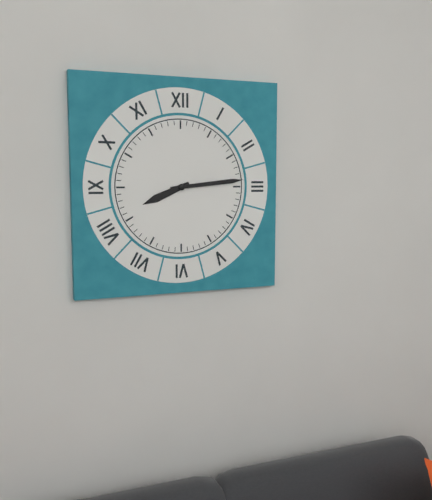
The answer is 8:14
